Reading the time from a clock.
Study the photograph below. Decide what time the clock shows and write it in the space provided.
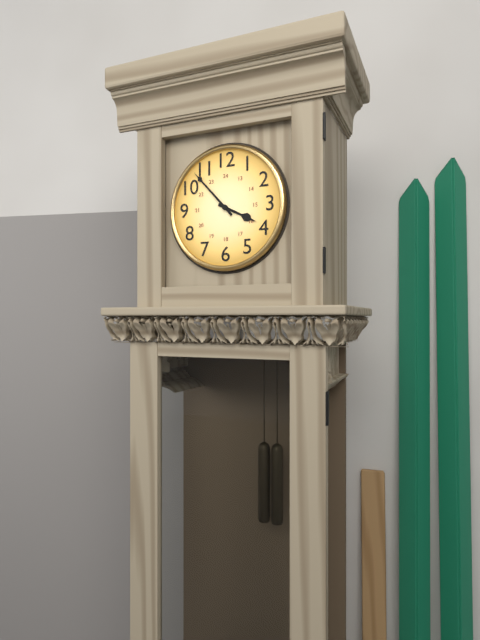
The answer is 3:53
